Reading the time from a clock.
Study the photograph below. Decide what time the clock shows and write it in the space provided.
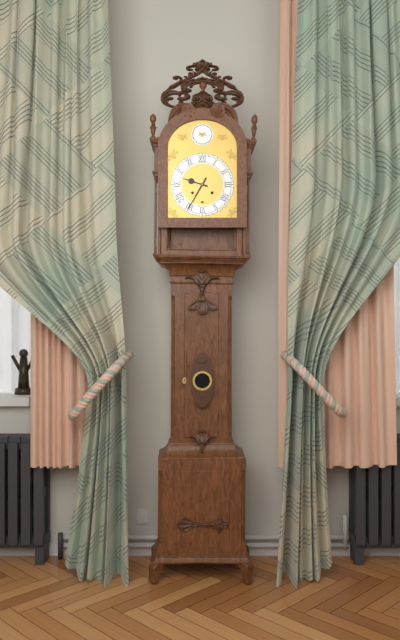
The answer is 9:35
